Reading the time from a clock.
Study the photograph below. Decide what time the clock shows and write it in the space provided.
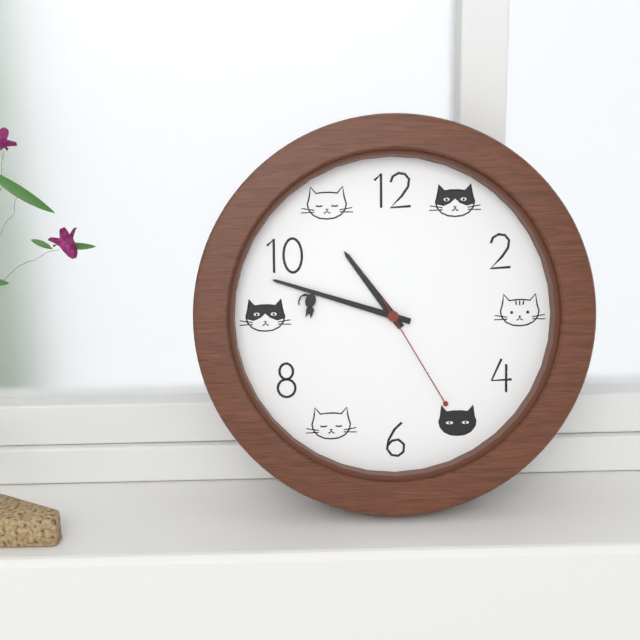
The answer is 10:48:25
